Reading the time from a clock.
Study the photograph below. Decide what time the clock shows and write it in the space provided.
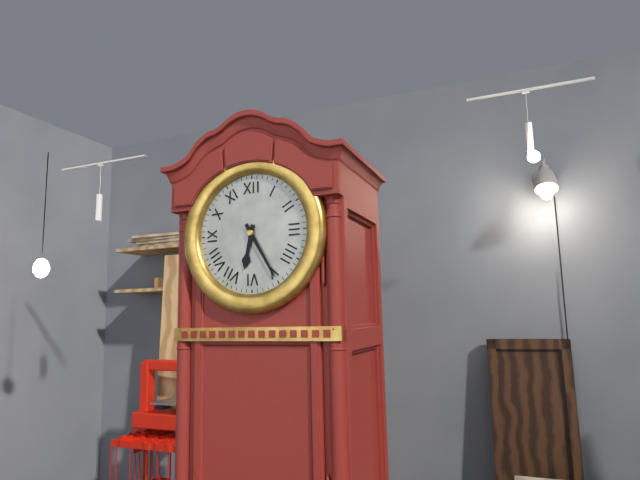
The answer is 6:25
